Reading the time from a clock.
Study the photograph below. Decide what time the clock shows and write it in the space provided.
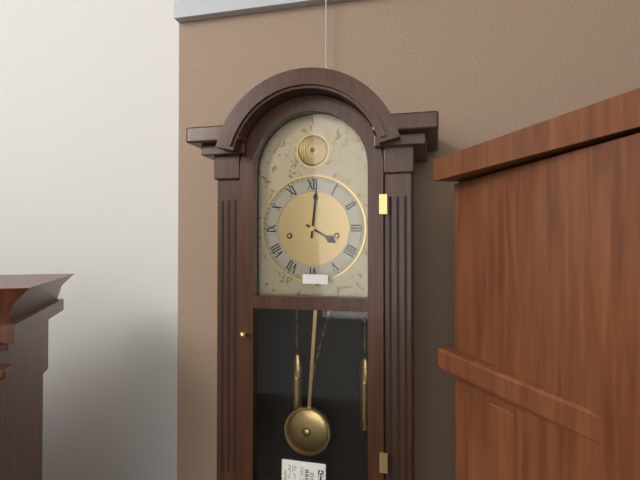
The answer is 4:01
